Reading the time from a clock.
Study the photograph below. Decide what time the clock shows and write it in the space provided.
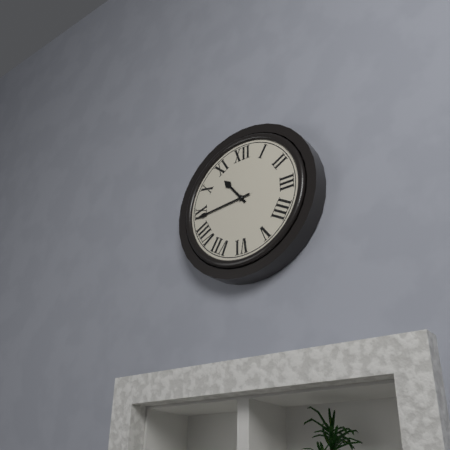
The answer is 10:44
